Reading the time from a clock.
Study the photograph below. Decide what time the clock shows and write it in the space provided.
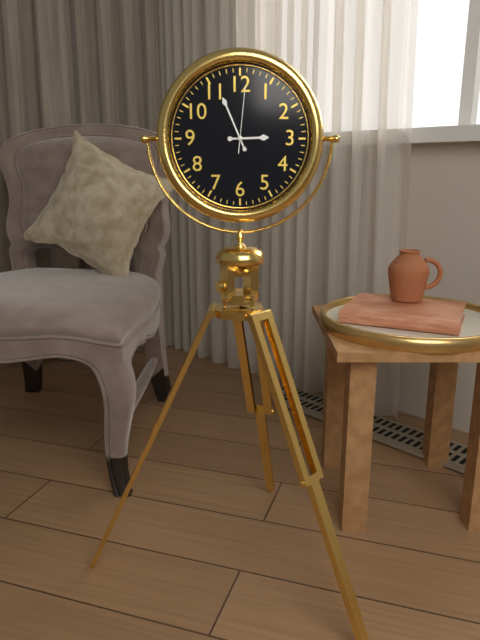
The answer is 2:56:01
